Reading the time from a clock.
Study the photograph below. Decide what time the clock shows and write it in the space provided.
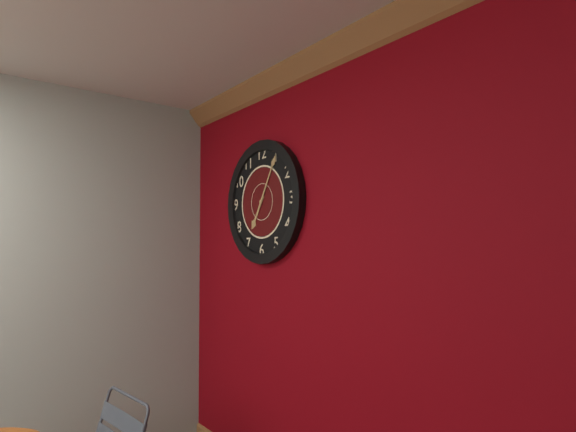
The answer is 7:05
